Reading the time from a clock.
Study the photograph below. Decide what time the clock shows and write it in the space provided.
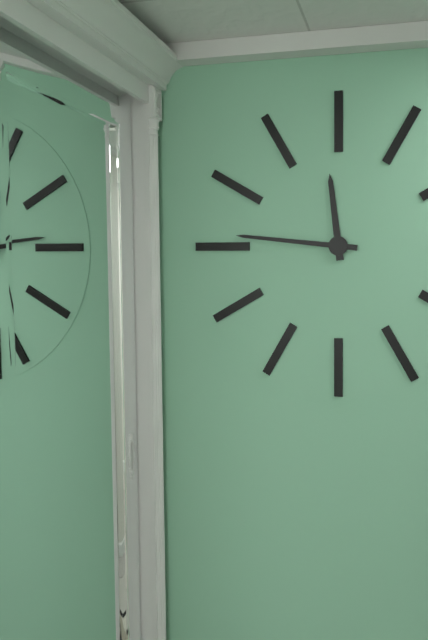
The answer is 11:46
